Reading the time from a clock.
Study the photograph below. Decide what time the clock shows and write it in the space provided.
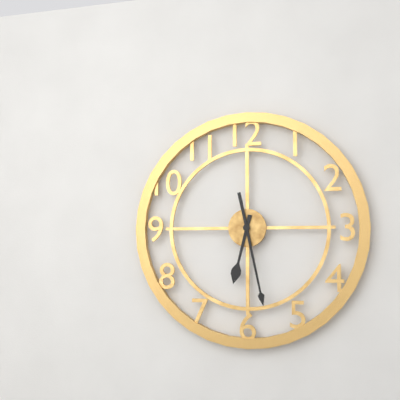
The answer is 6:28
